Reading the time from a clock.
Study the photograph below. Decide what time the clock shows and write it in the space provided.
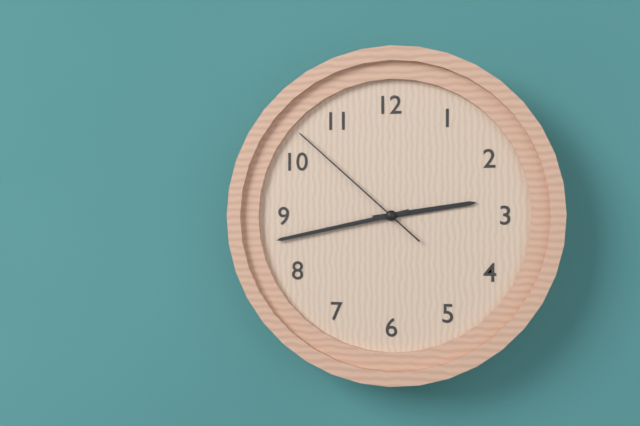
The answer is 2:43:52
